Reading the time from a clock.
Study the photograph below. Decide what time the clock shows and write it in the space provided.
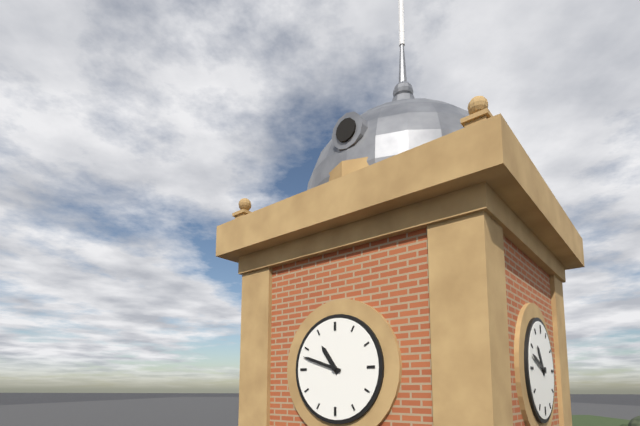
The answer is 10:48
